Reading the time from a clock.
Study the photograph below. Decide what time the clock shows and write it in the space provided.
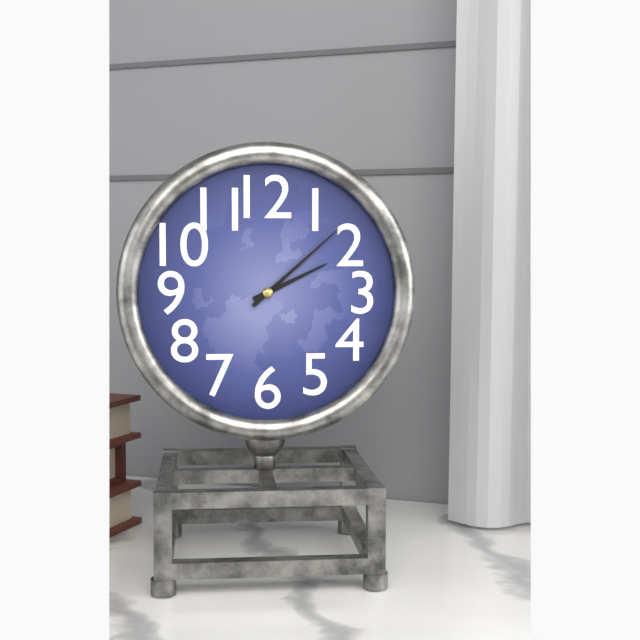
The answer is 2:08
